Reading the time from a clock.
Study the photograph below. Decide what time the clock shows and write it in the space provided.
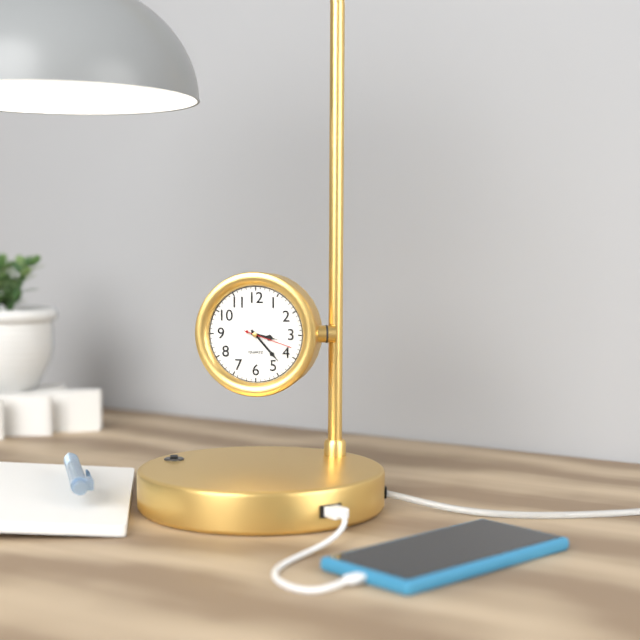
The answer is 3:23
